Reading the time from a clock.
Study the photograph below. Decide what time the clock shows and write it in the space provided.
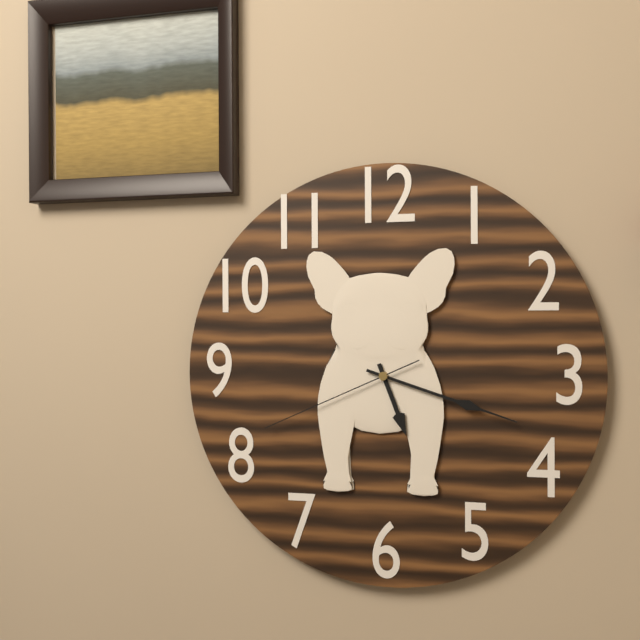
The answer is 5:18:41
